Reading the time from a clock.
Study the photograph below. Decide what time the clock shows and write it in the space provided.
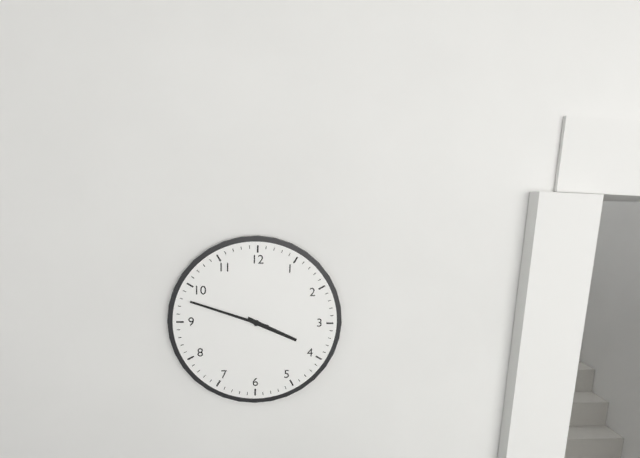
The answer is 3:48
